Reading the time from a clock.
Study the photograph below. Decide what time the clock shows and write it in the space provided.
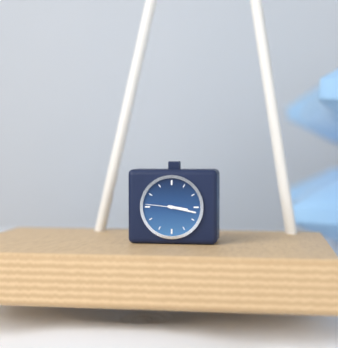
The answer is 3:17
